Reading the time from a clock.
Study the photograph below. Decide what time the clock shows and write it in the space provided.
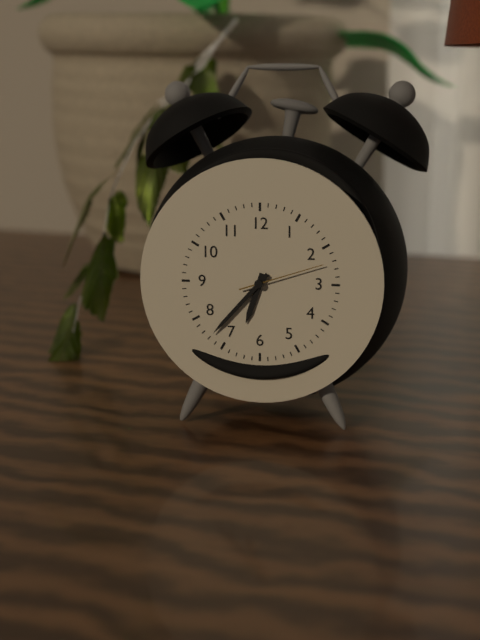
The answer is 6:37:12
